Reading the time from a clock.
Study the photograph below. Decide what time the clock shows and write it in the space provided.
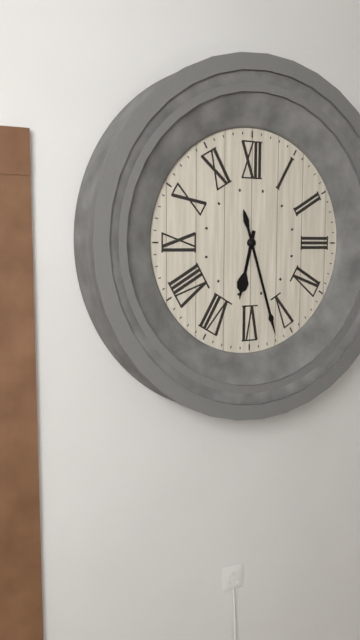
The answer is 6:27
